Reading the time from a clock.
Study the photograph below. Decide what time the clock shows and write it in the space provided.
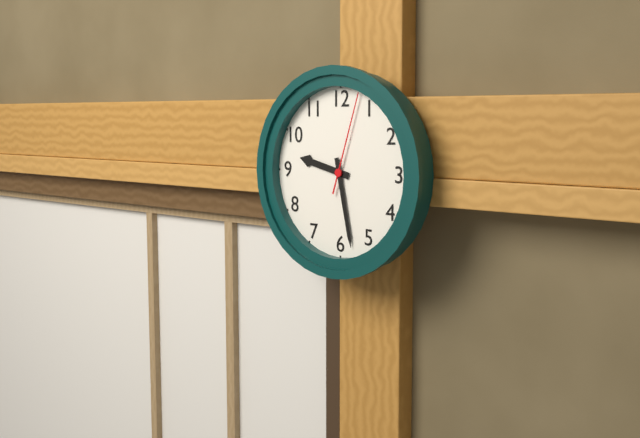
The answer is 9:28:03
